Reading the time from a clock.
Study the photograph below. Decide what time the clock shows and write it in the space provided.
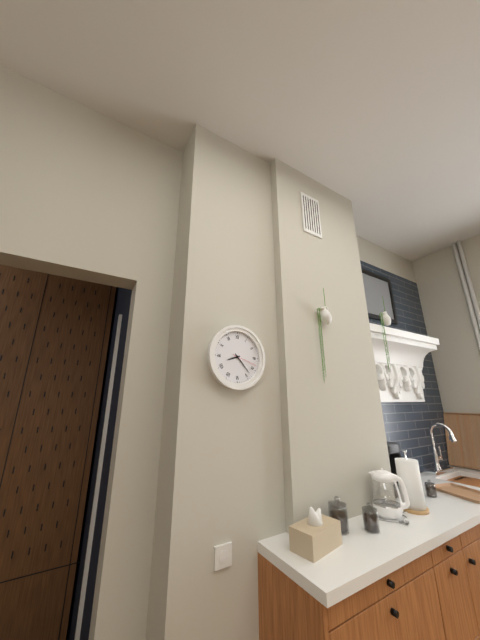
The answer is 8:23
